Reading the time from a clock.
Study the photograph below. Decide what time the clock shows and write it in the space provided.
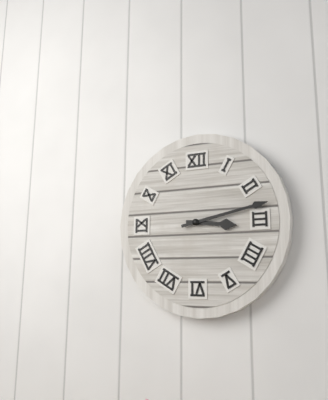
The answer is 3:13
